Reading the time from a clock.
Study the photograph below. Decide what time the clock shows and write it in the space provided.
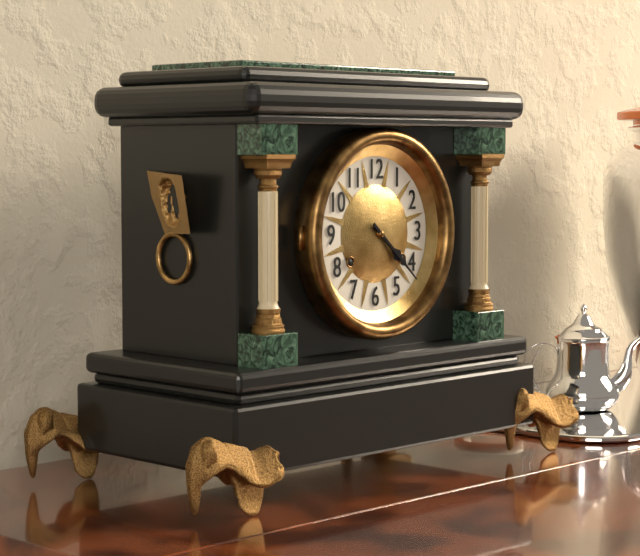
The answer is 4:22
